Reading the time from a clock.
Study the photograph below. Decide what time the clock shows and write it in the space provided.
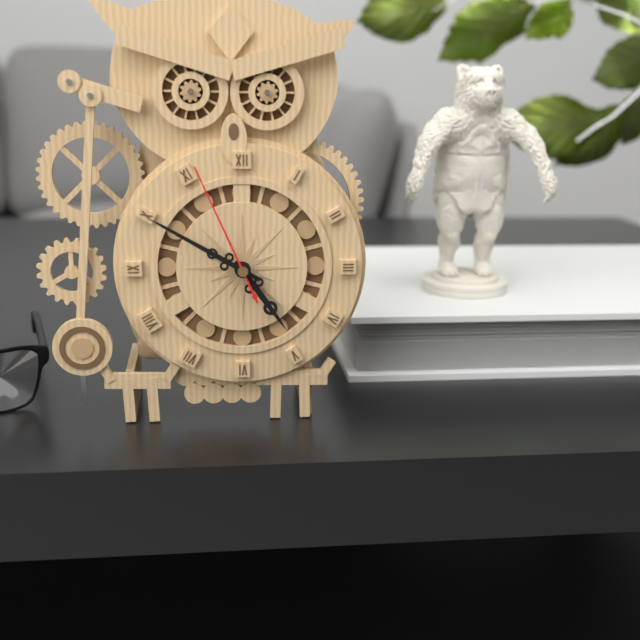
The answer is 4:50:56
